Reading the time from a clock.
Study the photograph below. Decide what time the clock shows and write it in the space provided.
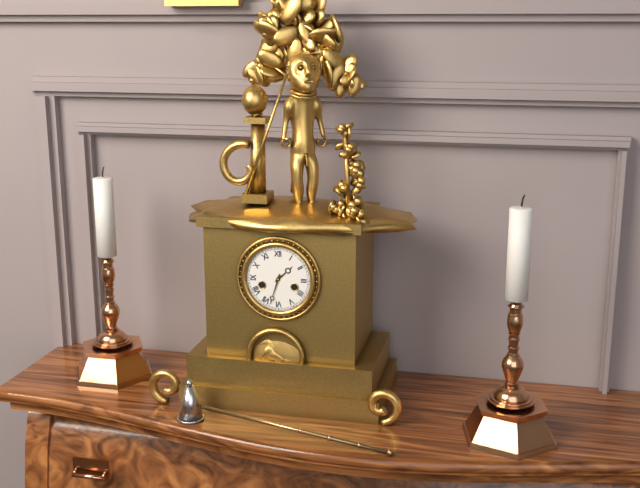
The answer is 1:33
